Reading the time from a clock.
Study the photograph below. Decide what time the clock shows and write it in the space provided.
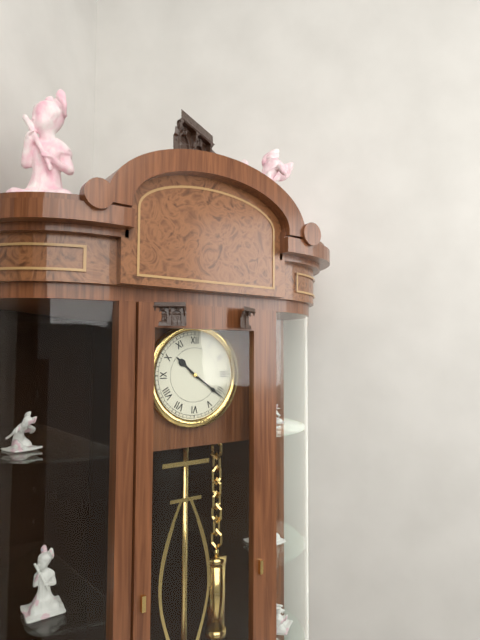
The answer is 10:21
